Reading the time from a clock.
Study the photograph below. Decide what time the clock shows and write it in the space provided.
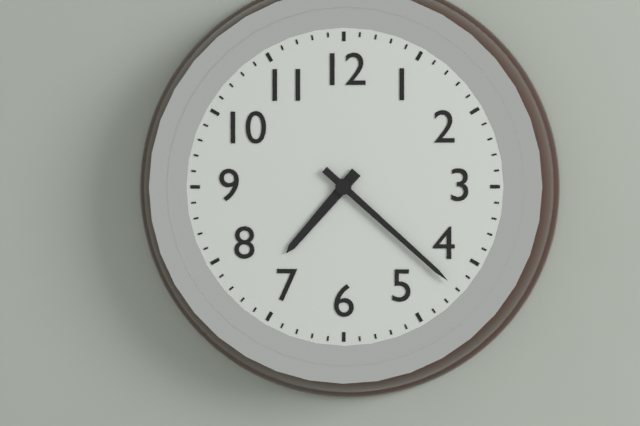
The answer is 7:22
